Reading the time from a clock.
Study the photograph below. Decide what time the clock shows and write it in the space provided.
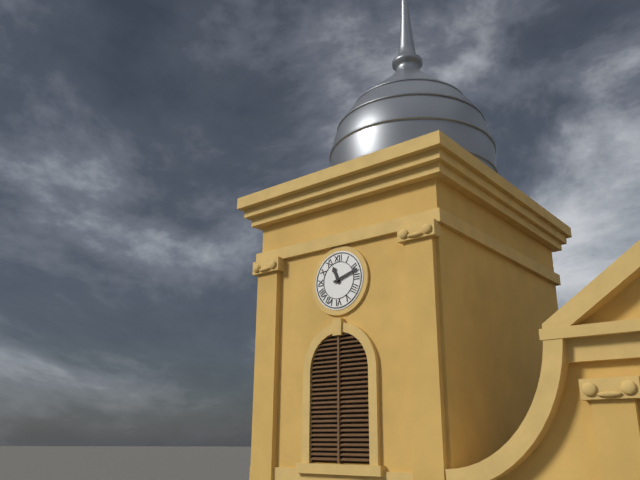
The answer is 11:12
